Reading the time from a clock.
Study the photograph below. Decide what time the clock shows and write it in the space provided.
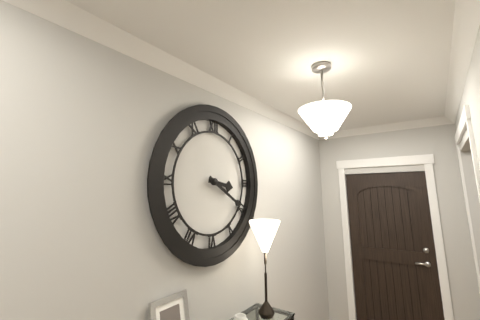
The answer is 3:20
